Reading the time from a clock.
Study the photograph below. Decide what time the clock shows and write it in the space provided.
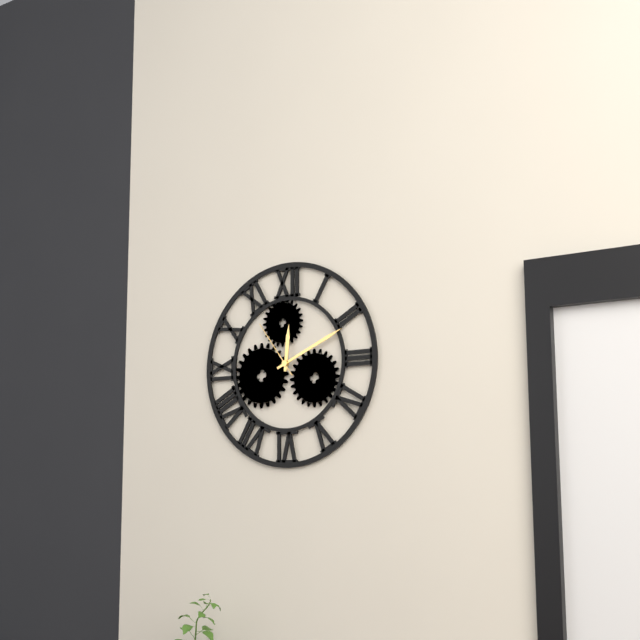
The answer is 12:11:54
